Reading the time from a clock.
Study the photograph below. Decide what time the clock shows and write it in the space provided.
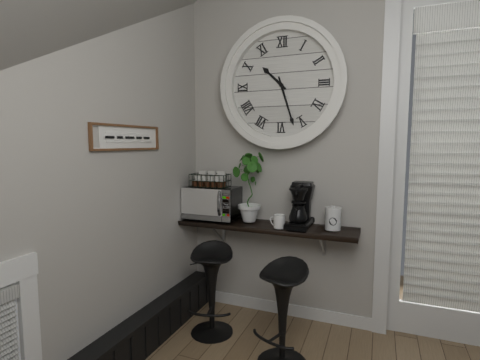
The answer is 10:27
